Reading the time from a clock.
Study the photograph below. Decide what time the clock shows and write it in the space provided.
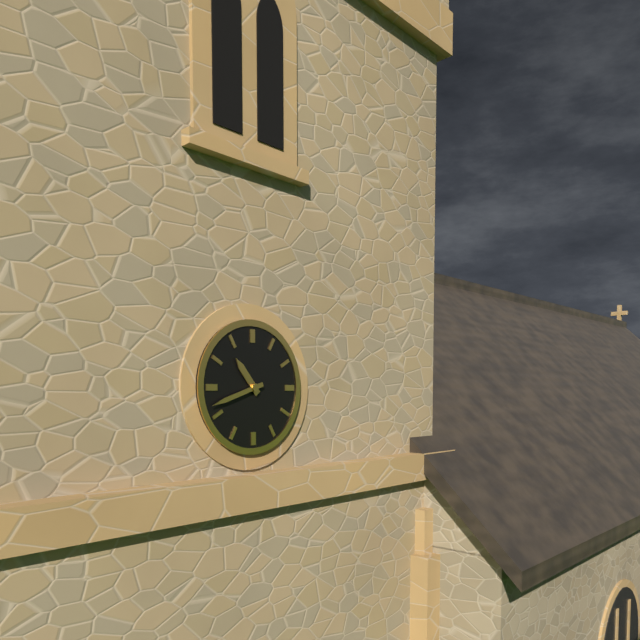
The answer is 10:42
